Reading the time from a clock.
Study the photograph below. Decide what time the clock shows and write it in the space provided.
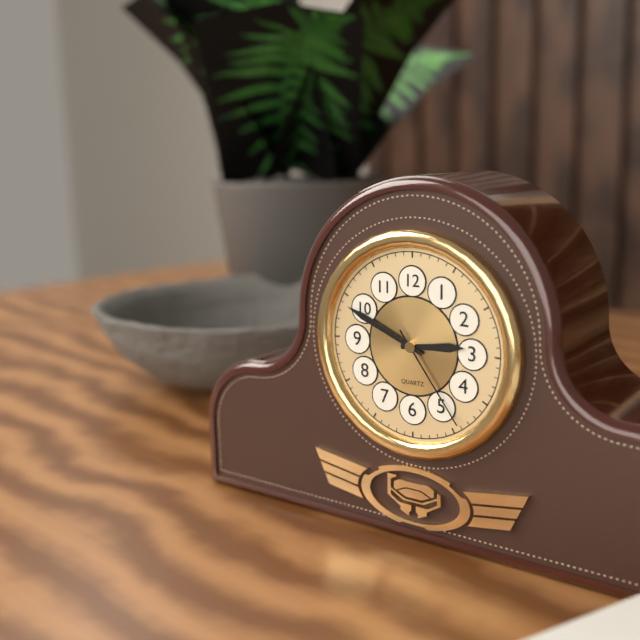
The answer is 2:49:24
